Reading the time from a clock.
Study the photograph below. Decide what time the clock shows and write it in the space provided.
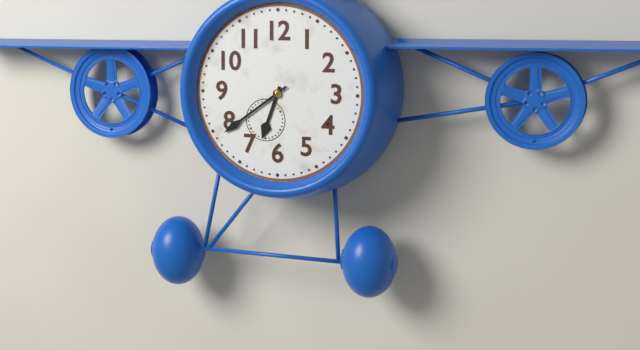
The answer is 6:39
